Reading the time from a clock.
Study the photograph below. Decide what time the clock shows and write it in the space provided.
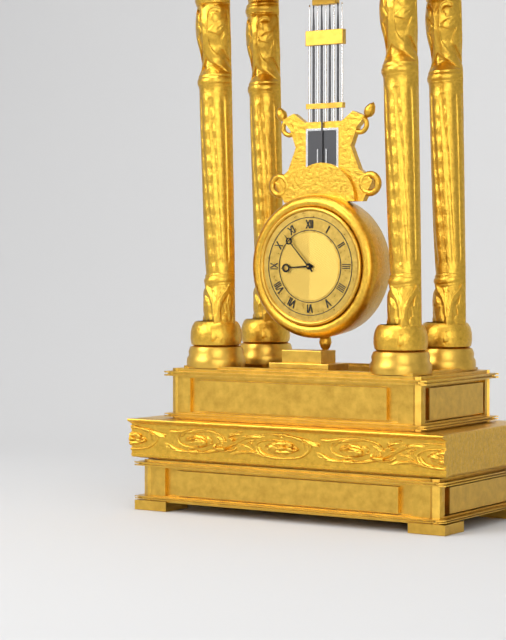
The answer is 8:53
